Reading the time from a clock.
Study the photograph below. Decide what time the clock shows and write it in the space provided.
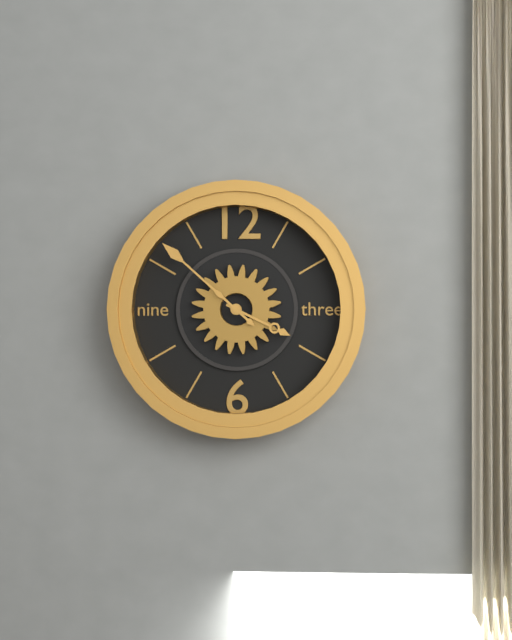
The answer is 3:52
